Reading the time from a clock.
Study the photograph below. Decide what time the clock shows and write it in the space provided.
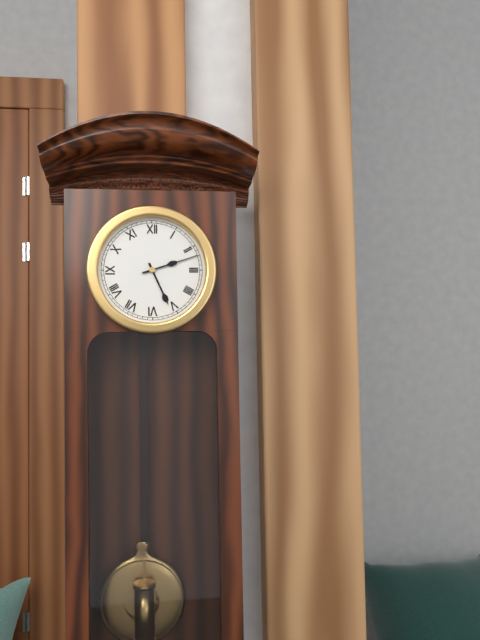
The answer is 5:12
